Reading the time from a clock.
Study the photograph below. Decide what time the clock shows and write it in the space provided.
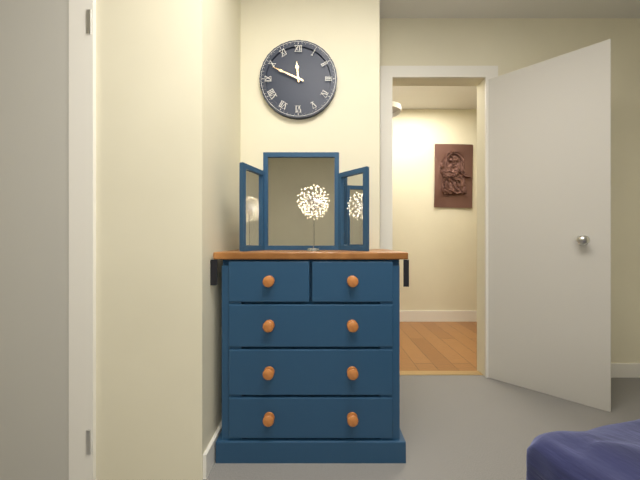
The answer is 11:49
